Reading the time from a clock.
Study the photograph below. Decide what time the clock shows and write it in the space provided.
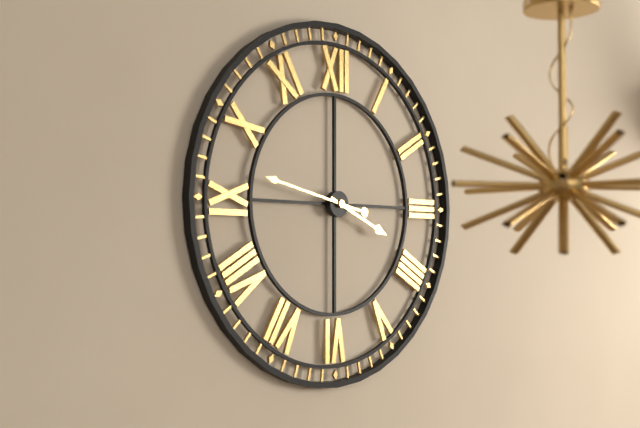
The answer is 3:47
